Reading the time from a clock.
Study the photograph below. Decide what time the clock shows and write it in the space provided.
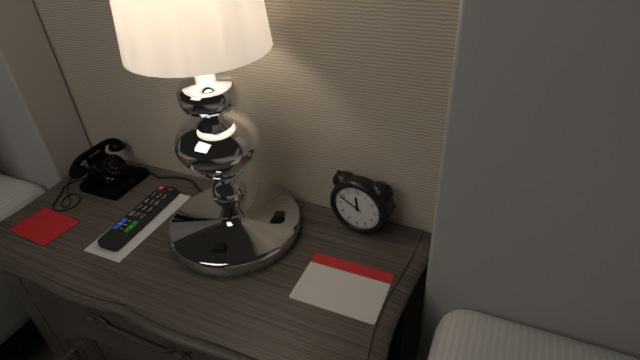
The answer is 11:49
